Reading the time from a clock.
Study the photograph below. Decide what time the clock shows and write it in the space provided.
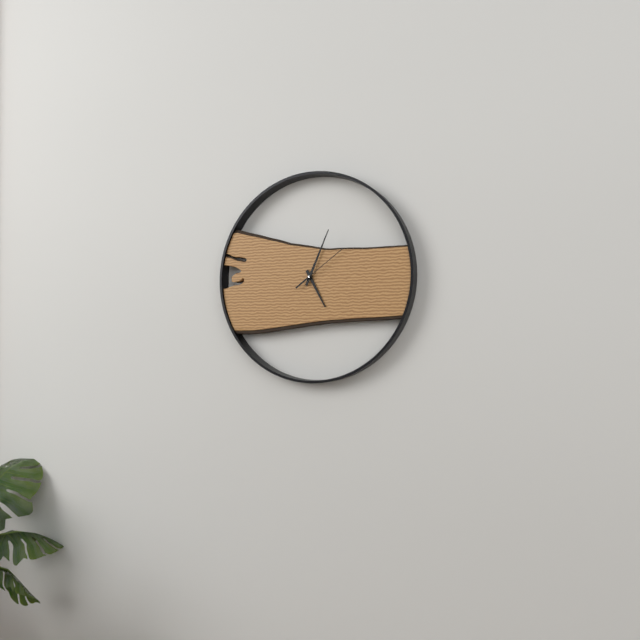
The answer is 5:04:09
